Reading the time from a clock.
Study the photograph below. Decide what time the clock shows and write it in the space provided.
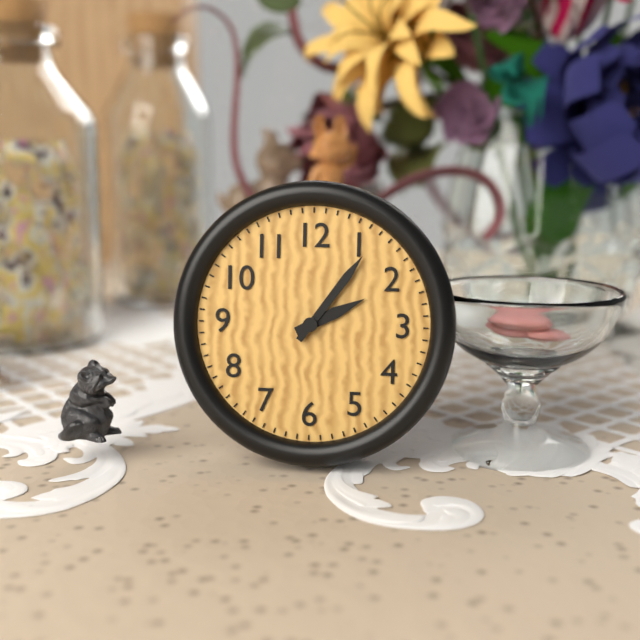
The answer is 2:06
